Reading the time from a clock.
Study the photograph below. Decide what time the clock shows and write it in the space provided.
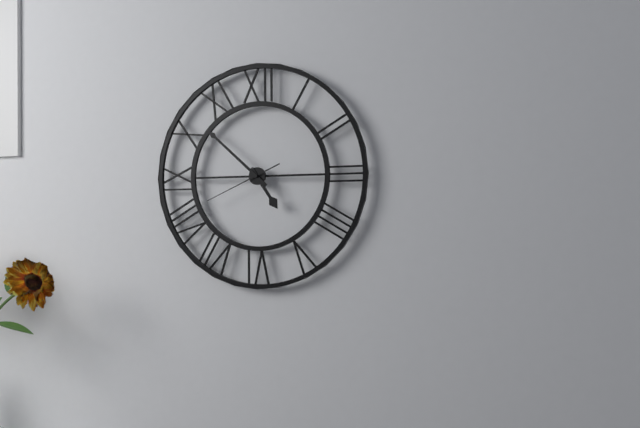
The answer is 4:52:41
